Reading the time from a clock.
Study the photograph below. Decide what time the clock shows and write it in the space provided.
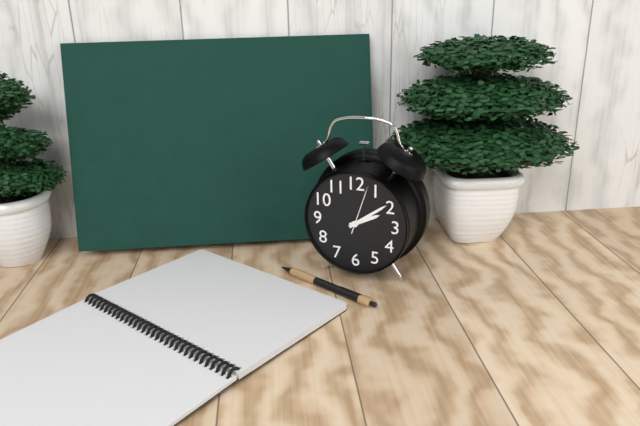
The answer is 2:09
